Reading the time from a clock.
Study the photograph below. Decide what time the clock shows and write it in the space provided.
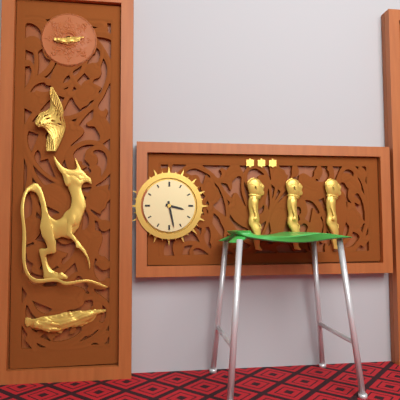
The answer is 3:28
